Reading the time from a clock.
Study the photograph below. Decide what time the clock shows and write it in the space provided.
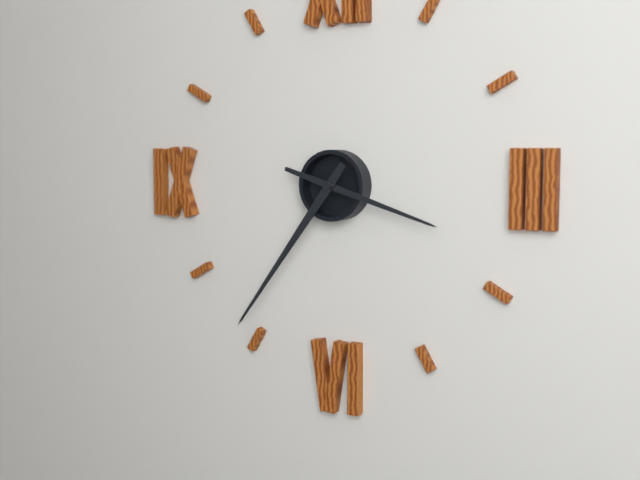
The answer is 3:36
